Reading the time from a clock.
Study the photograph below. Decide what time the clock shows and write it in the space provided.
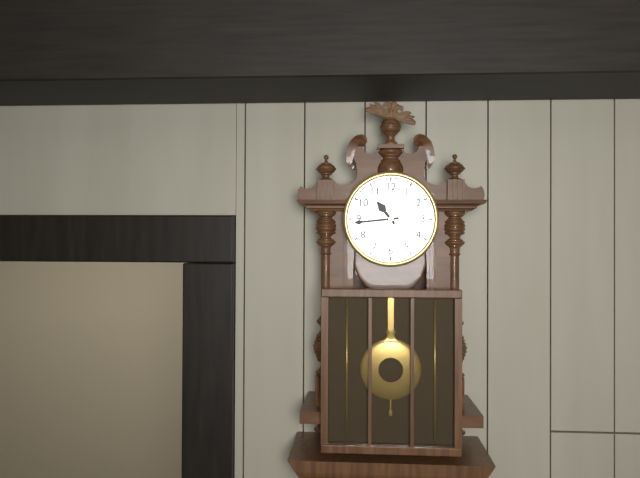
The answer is 10:44
